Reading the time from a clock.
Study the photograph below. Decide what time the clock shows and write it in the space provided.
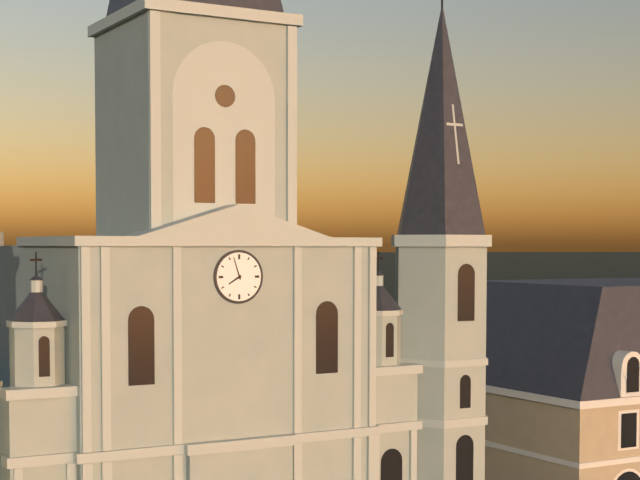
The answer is 7:57
